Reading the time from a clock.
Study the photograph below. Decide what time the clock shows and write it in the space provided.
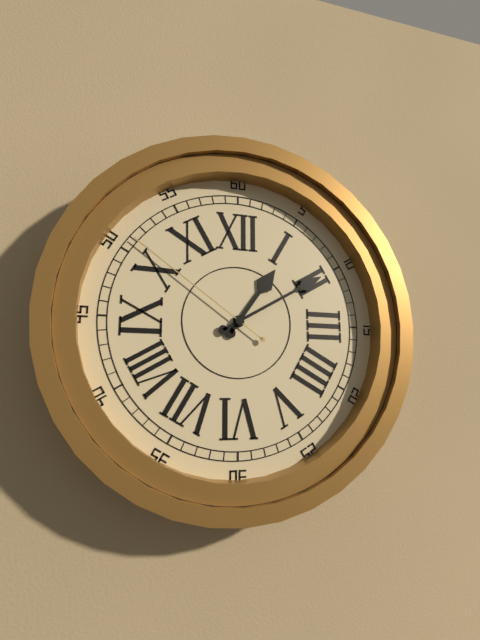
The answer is 1:10:51
